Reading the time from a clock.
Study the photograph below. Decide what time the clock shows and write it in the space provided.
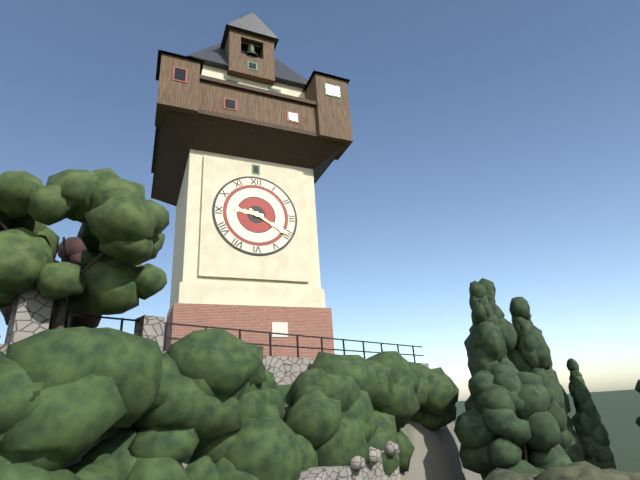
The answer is 9:20
